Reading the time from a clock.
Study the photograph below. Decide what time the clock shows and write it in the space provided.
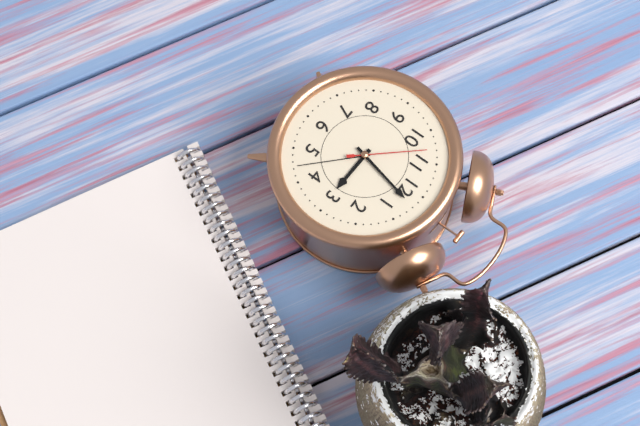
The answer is 3:02:53
